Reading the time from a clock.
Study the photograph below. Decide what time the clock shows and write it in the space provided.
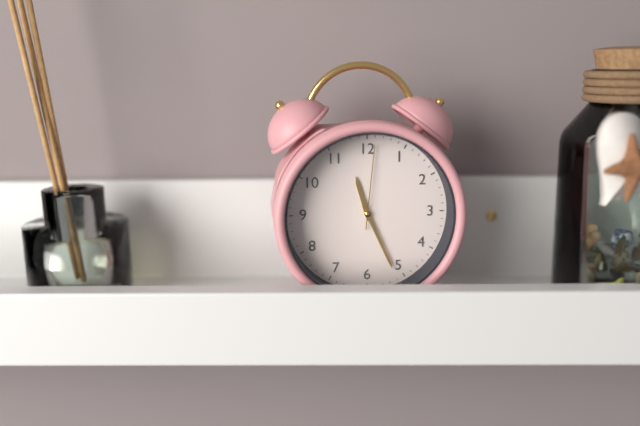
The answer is 11:26:01
